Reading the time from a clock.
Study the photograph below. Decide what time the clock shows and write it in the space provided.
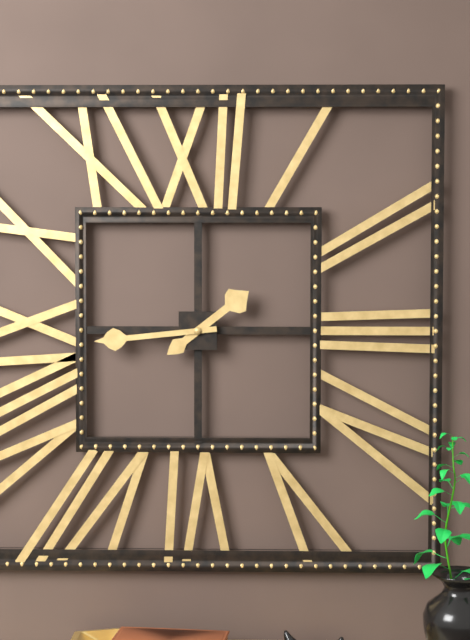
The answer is 1:44
